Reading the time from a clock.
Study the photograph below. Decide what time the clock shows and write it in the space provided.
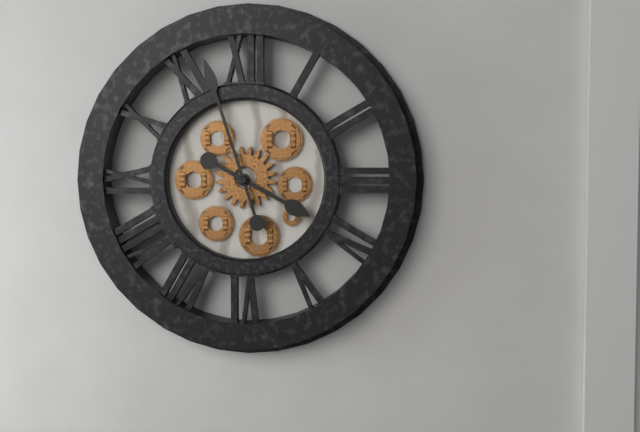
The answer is 3:57
